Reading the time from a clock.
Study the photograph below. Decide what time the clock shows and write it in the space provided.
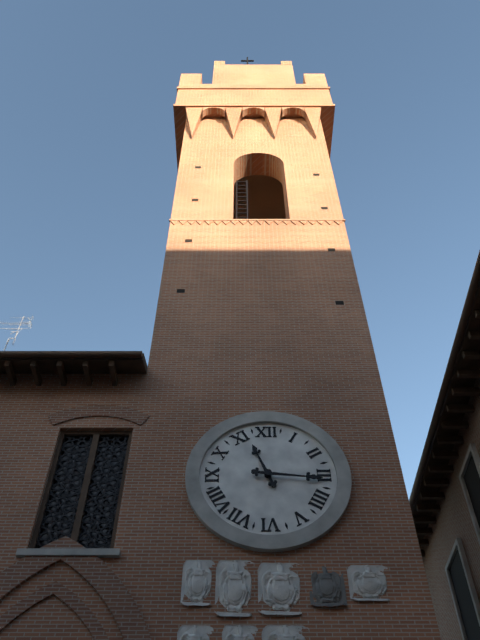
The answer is 11:16
